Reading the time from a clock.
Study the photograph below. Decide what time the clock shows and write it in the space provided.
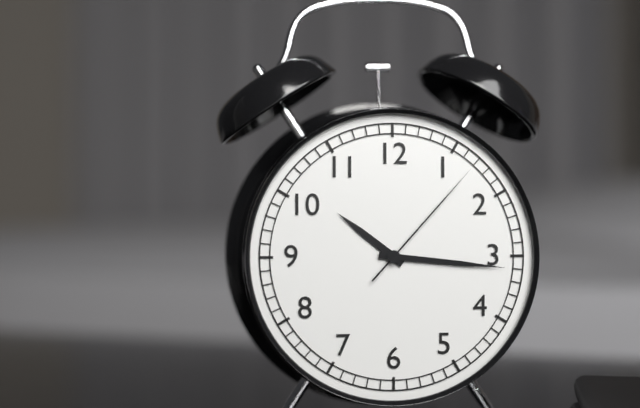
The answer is 10:16:07
